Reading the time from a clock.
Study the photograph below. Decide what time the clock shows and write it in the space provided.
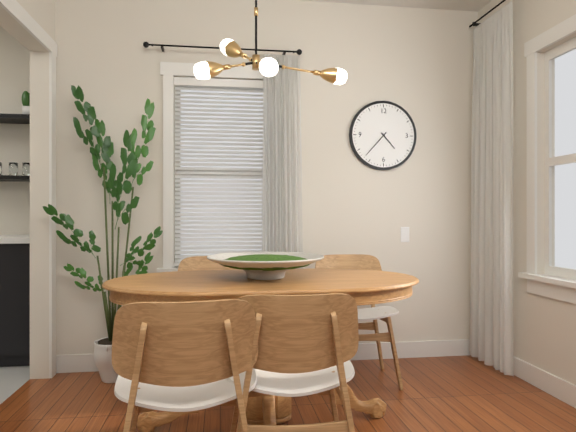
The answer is 4:37
